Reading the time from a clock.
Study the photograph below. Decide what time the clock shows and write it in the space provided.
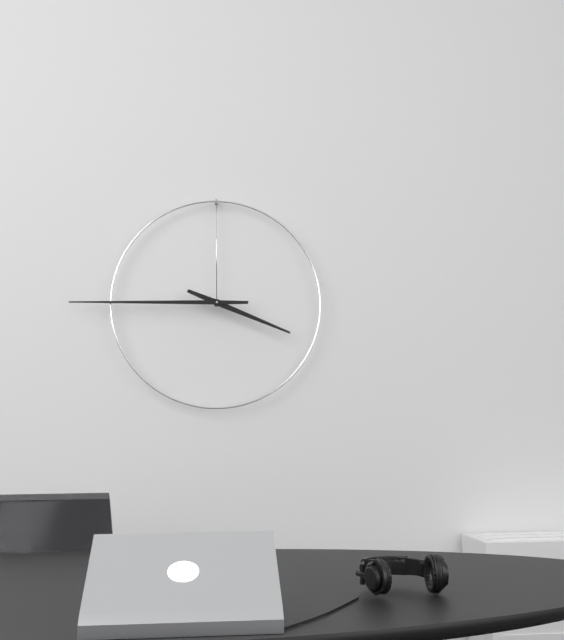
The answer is 3:45
